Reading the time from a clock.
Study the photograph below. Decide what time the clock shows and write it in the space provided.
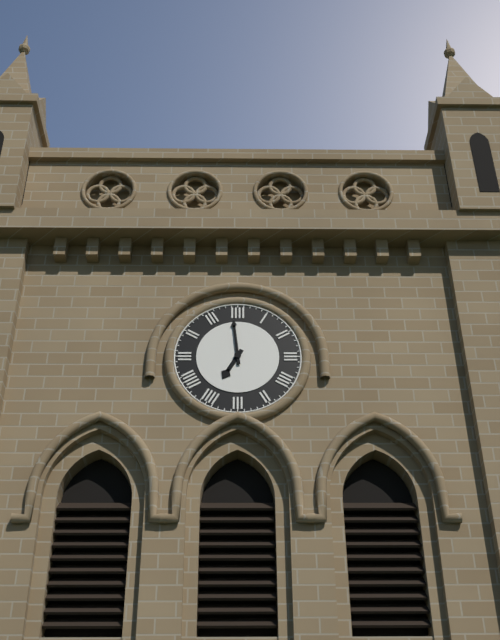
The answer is 6:59
